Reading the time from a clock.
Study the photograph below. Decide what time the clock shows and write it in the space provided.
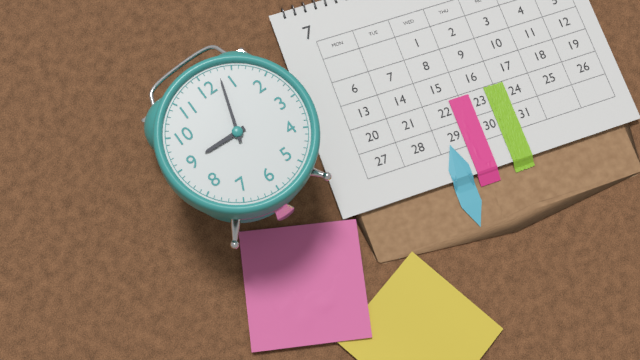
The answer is 9:03
